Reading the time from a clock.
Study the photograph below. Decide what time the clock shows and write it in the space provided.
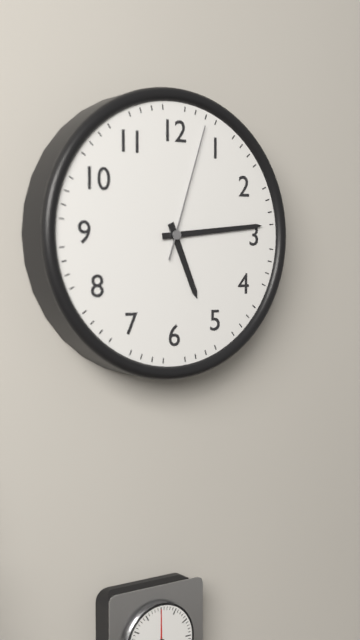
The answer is 5:14:03
